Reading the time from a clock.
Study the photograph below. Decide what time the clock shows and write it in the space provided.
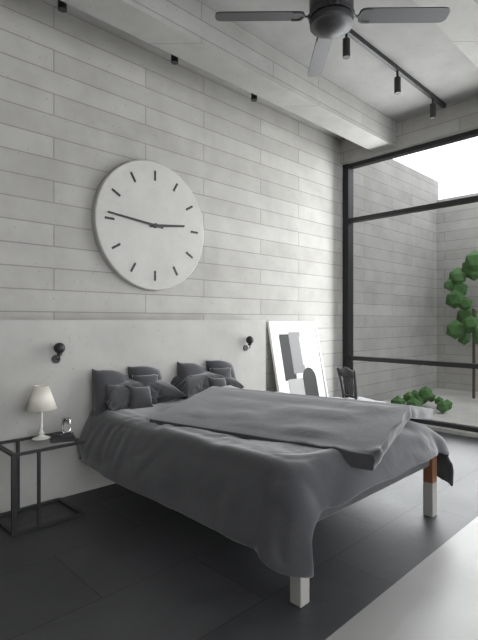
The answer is 2:46
